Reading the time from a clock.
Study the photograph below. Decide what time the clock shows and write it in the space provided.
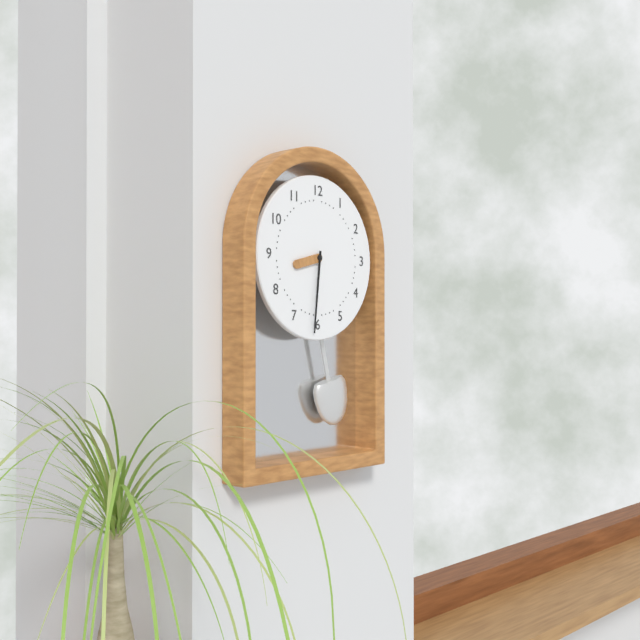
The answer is 8:31
